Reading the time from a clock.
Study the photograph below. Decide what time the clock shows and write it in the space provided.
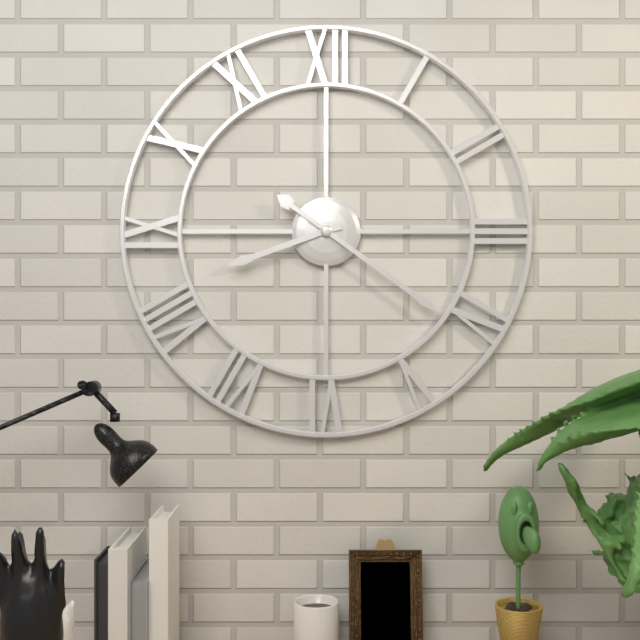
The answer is 8:21
